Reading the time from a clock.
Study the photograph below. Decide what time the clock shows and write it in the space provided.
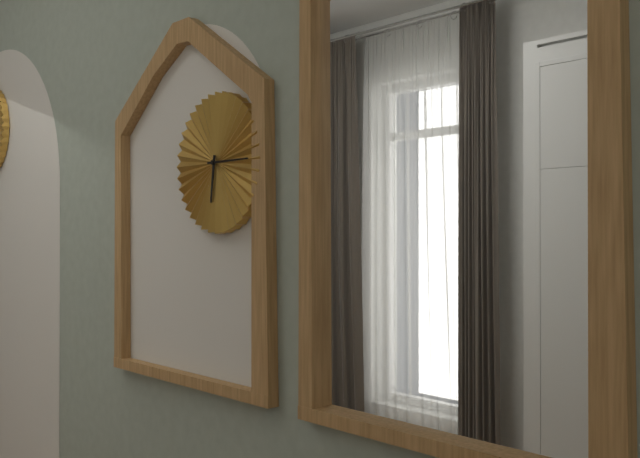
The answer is 6:15
